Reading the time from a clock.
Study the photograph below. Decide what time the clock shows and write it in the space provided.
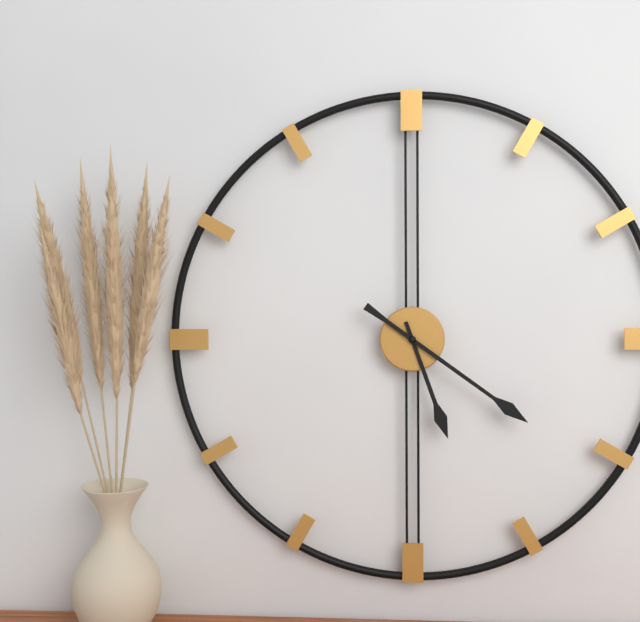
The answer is 5:21
